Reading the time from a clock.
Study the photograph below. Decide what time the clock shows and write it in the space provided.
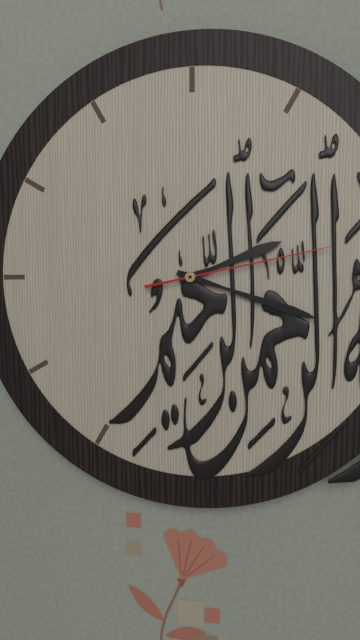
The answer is 2:18:13
